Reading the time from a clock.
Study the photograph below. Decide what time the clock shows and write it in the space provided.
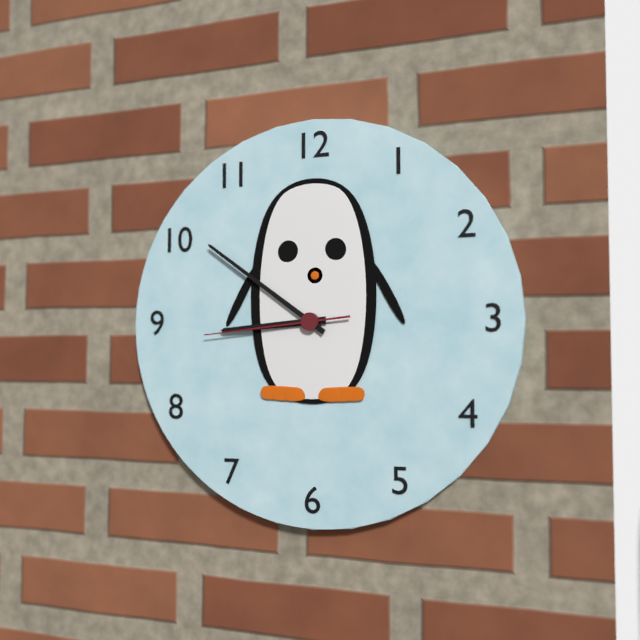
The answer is 8:51:44
